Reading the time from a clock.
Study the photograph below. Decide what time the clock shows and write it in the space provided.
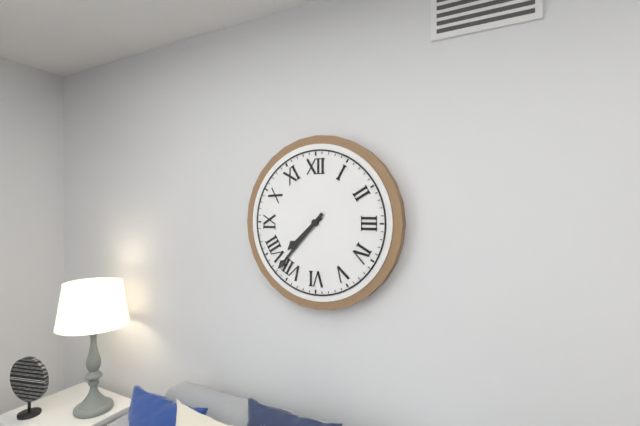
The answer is 7:37
